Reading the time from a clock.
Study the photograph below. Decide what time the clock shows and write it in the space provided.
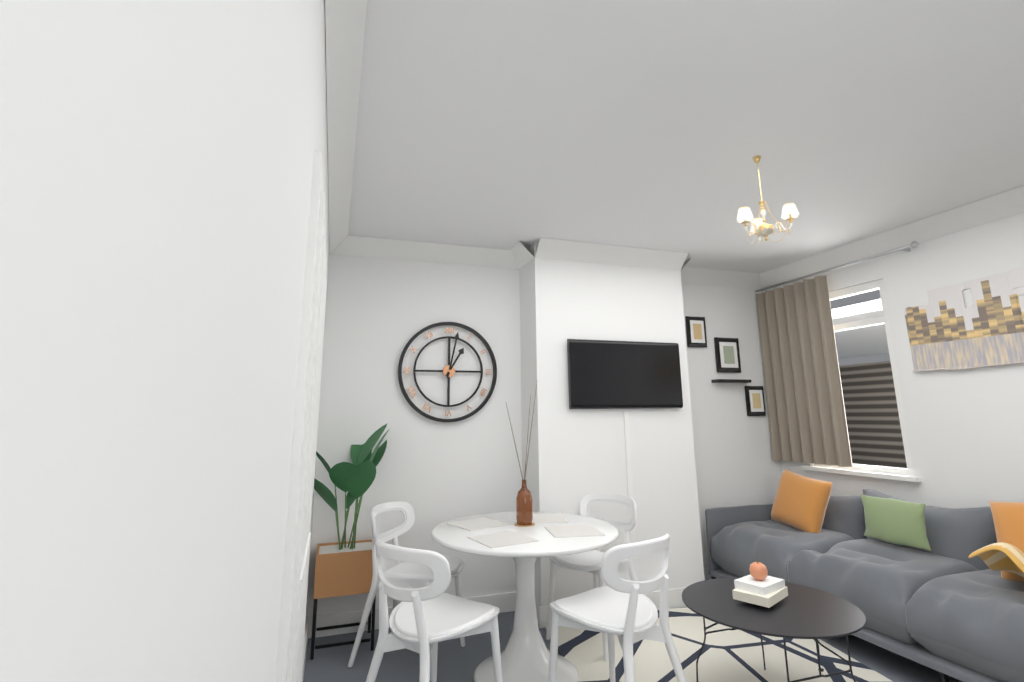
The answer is 1:02
